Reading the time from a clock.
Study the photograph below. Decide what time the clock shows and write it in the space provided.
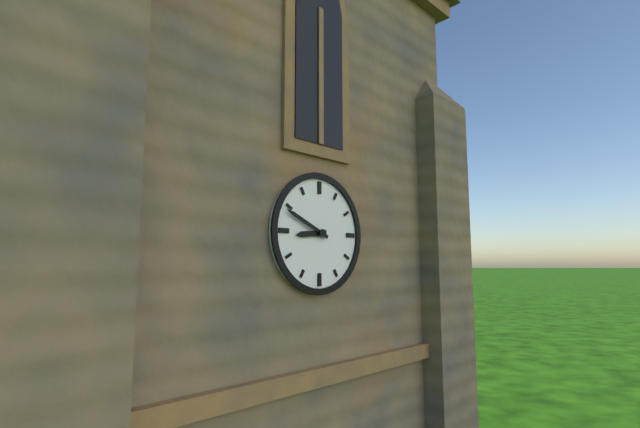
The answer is 8:49
